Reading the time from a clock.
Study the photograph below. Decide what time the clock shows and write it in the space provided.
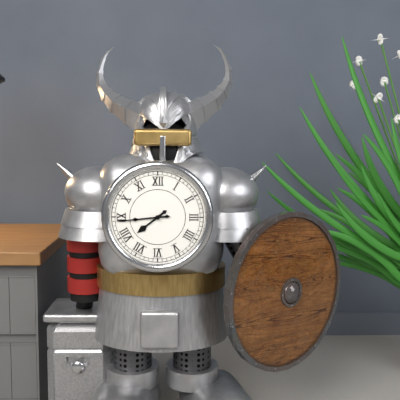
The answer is 7:44
